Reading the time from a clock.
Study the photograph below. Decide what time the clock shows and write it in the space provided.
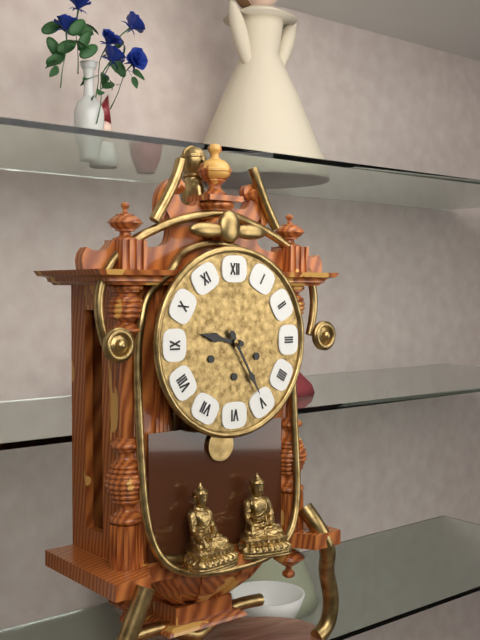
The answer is 9:25
